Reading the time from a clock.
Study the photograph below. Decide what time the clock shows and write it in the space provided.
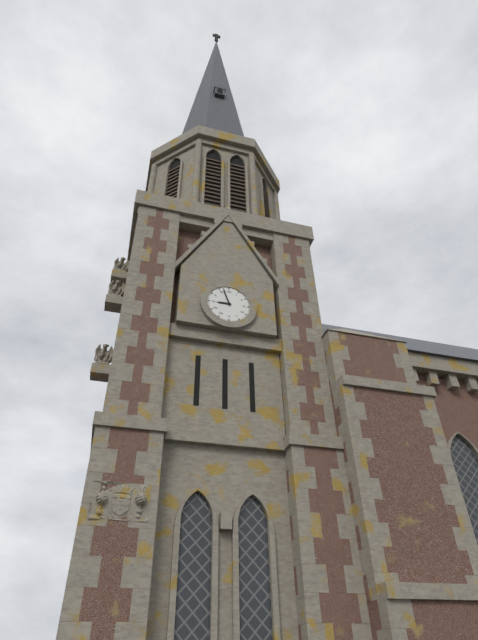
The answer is 8:57
